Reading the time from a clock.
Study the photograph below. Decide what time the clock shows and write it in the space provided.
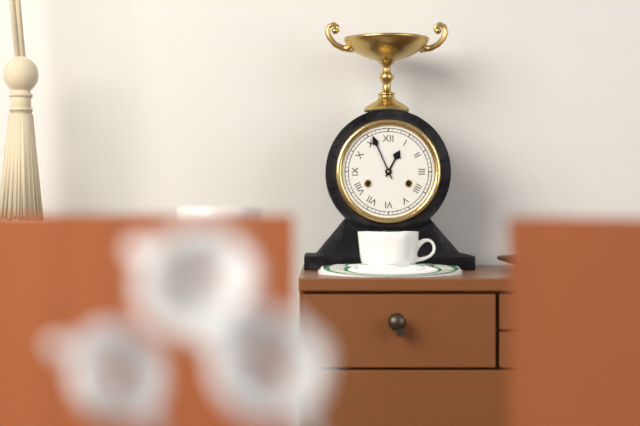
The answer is 12:56
